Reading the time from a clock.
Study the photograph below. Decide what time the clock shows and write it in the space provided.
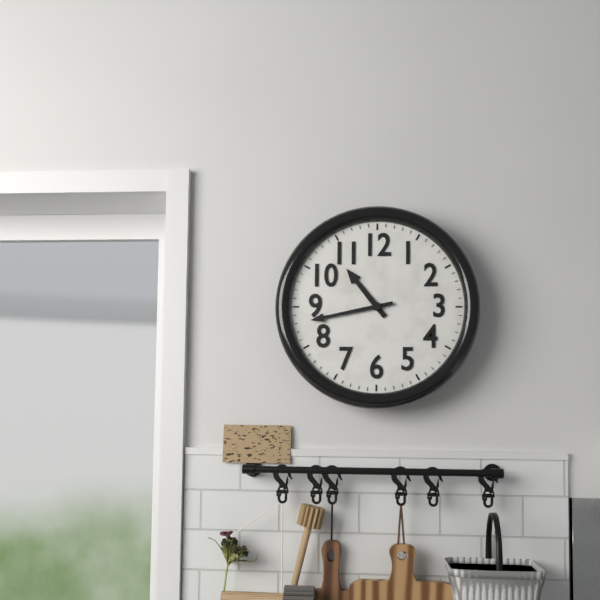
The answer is 10:43
